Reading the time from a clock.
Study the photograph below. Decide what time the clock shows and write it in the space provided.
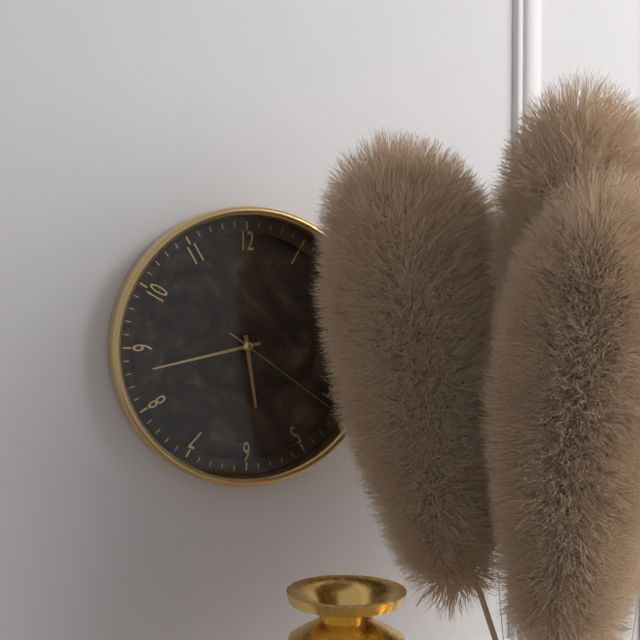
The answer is 5:43:21
